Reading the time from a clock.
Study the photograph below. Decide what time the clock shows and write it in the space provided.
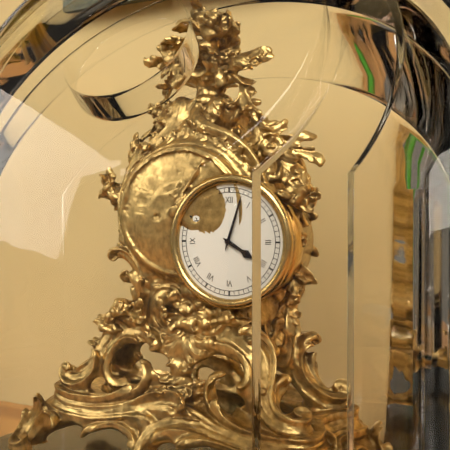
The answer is 4:03
